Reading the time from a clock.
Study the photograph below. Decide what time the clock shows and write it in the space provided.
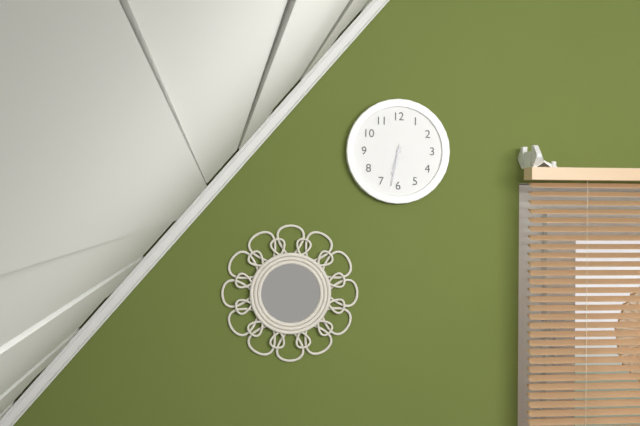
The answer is 6:32
